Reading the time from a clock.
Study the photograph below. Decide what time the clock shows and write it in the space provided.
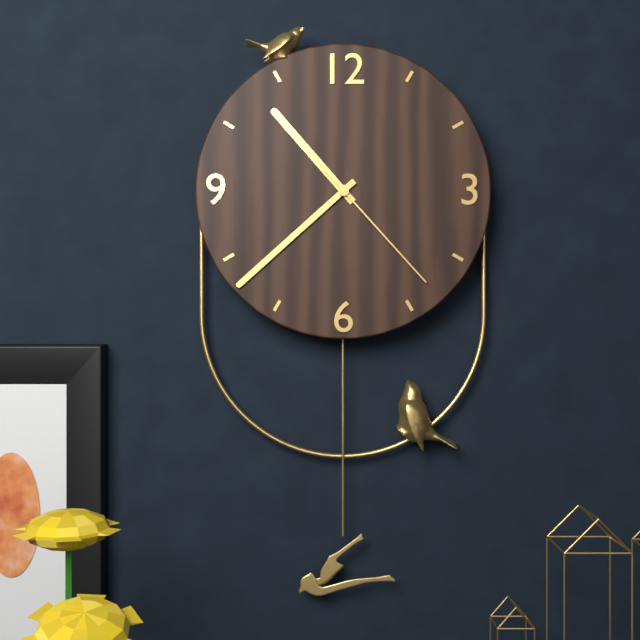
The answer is 10:38:23
